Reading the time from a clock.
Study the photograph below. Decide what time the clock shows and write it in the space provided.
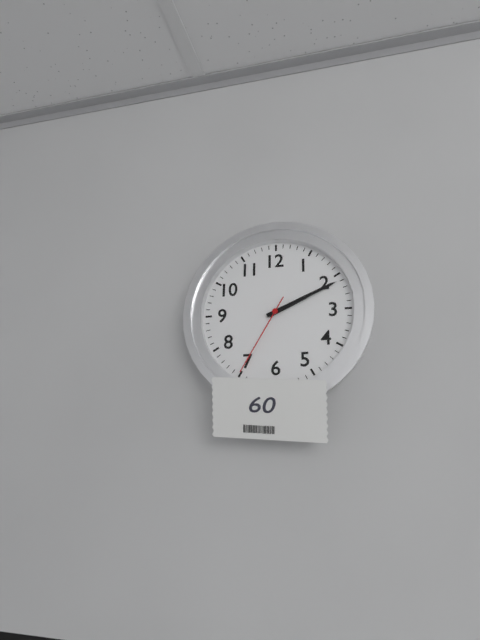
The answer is 2:11:35
